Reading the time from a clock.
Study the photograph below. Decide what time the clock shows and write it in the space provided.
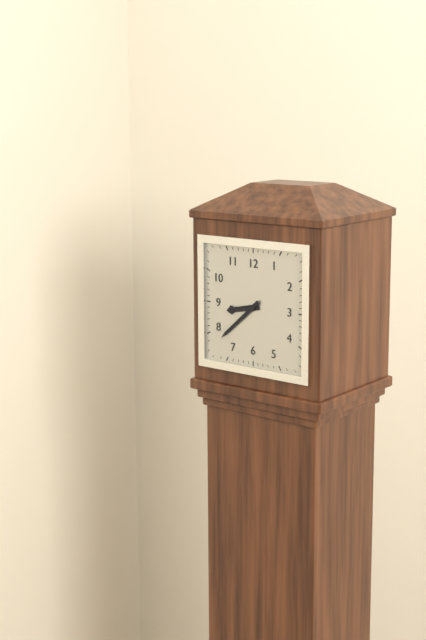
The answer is 8:38
